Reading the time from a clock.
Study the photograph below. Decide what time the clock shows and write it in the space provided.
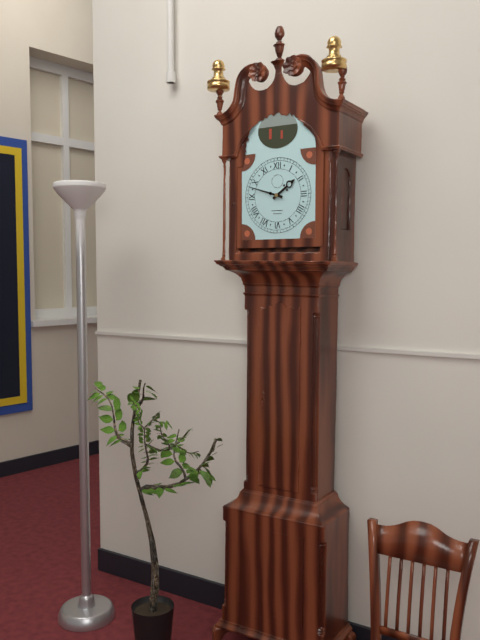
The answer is 1:48
